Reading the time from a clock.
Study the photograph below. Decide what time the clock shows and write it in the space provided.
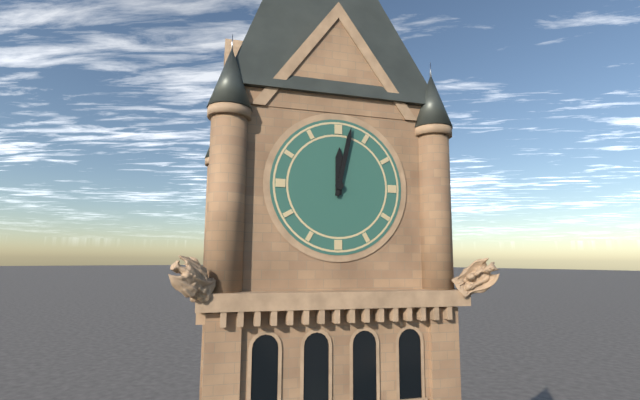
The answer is 12:02
